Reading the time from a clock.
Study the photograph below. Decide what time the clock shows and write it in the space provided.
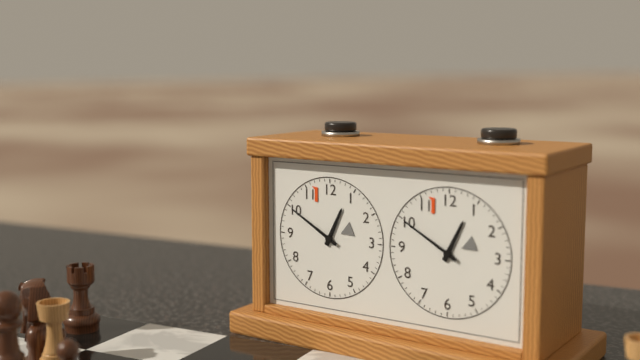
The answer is 12:50
